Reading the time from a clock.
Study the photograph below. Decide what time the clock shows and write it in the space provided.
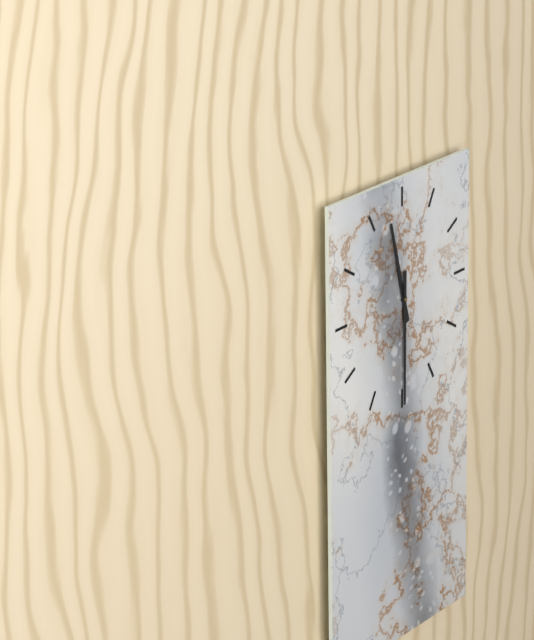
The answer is 11:30
